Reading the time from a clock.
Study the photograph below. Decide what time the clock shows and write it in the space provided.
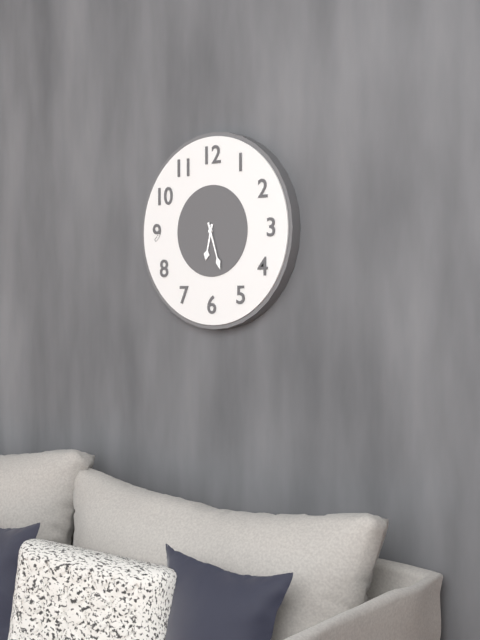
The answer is 6:27
